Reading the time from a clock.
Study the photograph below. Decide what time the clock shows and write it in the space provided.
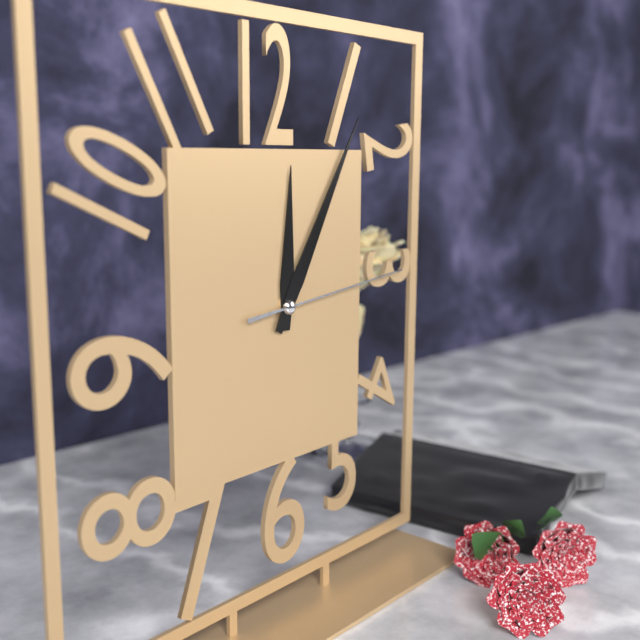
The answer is 12:05:14
